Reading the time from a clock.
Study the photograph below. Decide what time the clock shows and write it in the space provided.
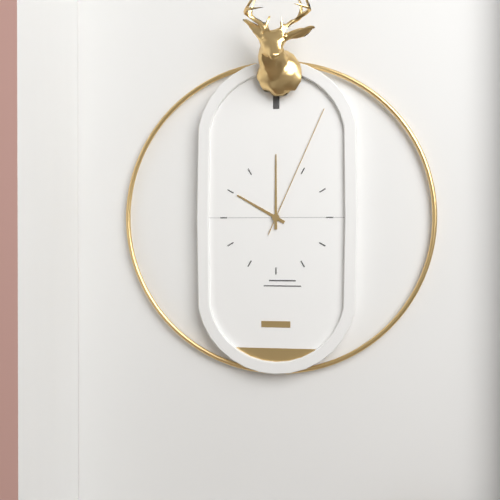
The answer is 10:00:04
